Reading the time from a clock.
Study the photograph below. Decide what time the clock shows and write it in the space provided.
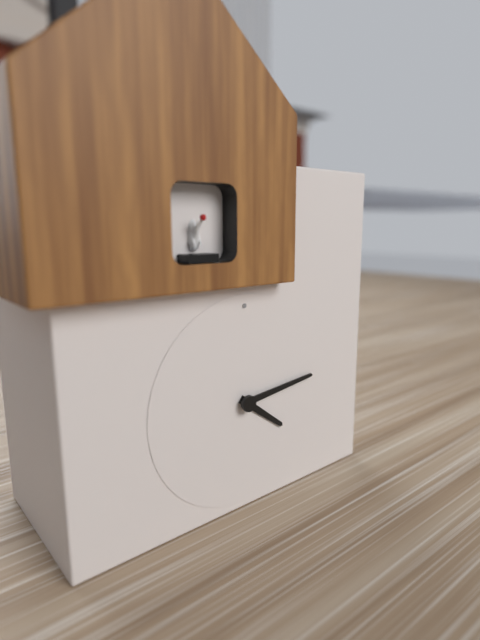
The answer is 4:14
